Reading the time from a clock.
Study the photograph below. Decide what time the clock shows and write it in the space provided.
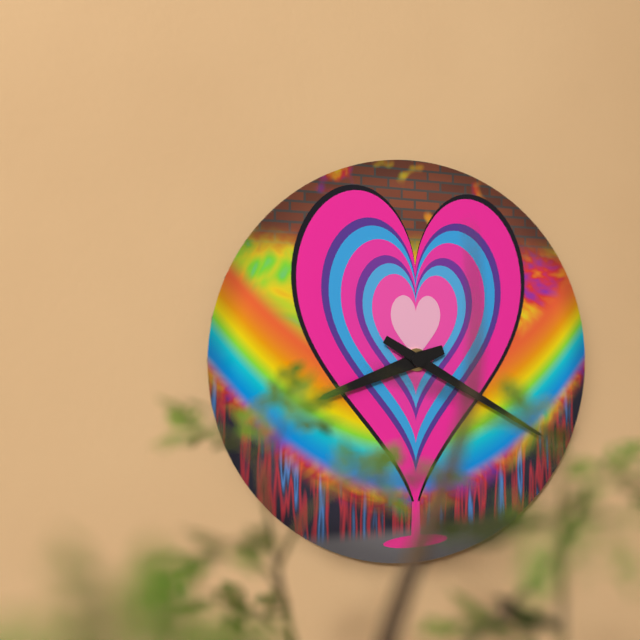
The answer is 8:20
